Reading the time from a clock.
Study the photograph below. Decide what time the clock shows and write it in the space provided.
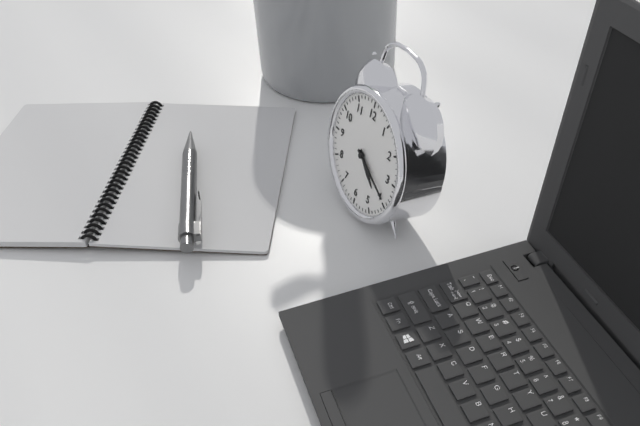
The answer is 4:19
